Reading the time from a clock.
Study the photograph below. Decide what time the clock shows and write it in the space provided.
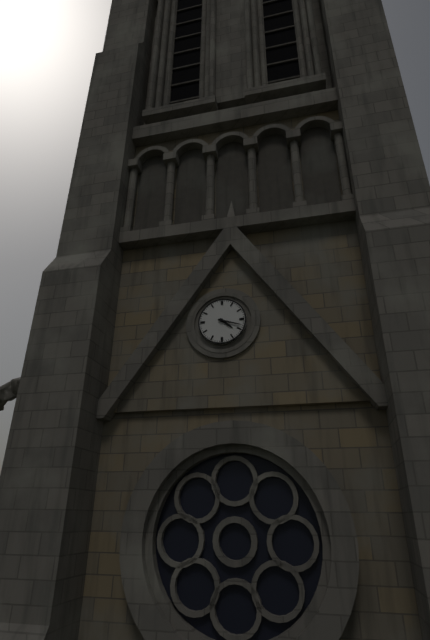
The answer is 4:18
